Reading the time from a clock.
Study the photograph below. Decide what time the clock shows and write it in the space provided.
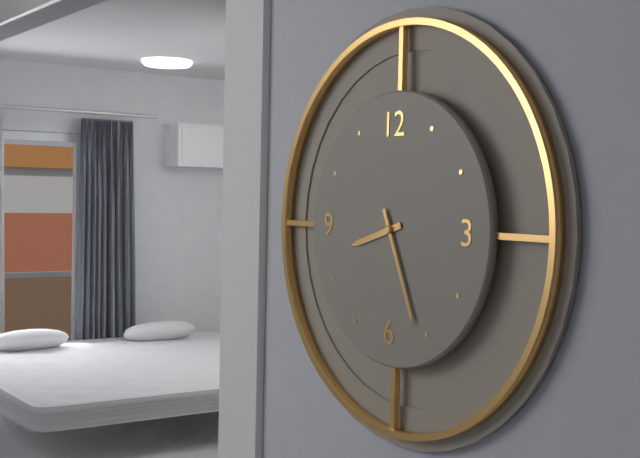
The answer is 8:26
